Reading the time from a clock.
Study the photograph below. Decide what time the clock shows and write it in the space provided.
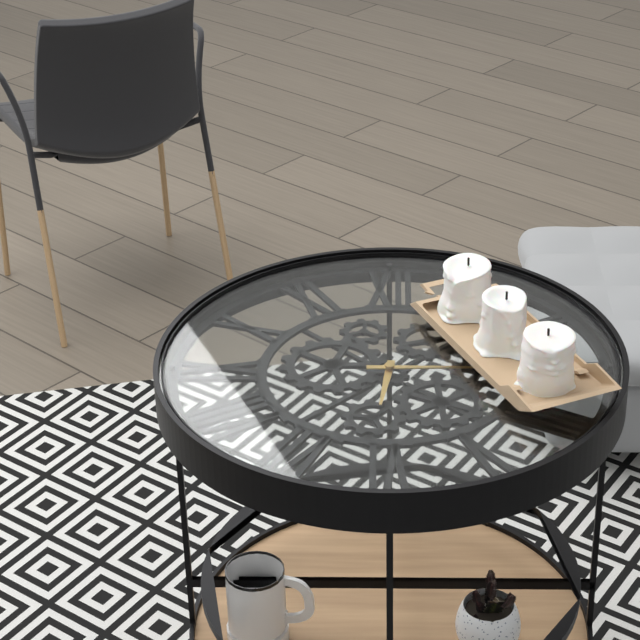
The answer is 6:15
